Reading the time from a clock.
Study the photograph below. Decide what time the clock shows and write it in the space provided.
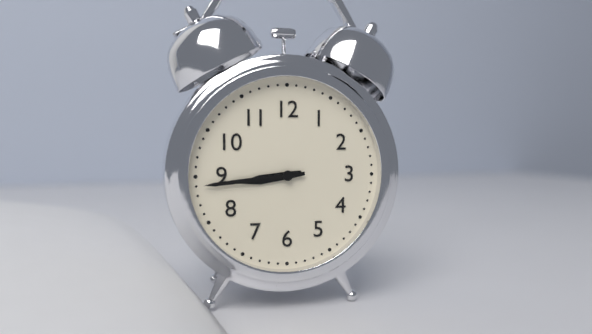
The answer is 8:44
